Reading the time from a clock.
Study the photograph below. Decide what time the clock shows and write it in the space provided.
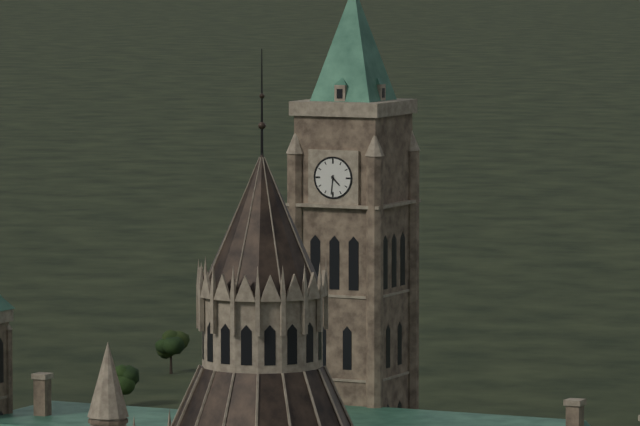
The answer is 4:31
